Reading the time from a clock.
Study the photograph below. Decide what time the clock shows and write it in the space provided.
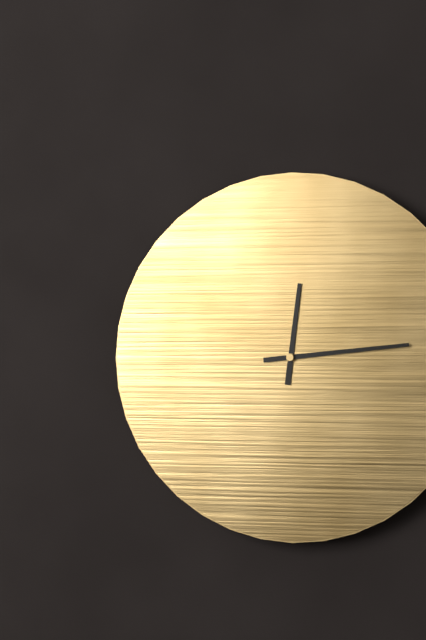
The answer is 12:14
